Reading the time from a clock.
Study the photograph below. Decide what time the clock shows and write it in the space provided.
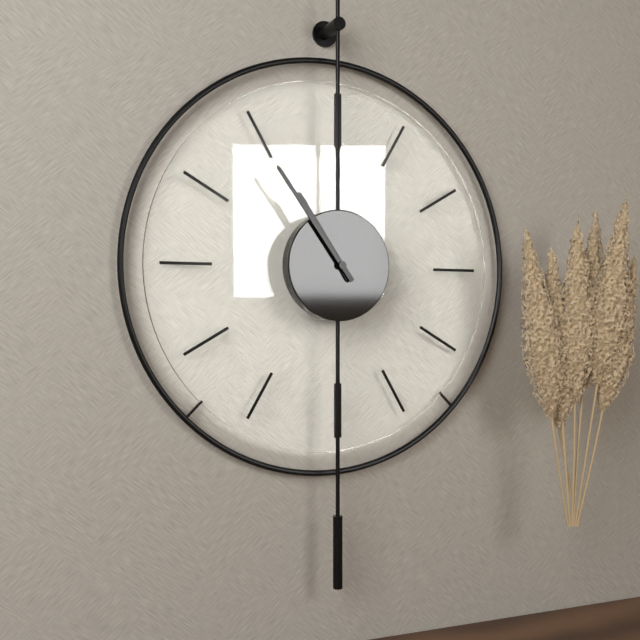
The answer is 10:54
